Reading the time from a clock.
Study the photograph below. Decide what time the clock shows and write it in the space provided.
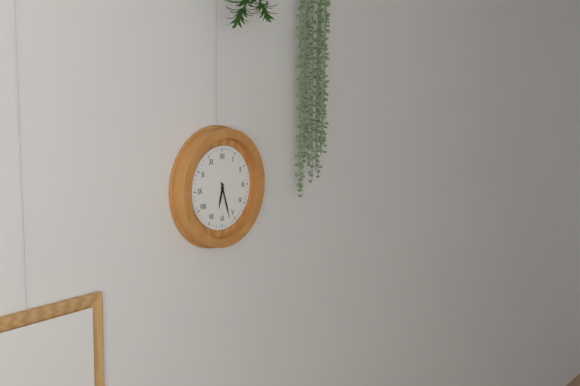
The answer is 6:27
